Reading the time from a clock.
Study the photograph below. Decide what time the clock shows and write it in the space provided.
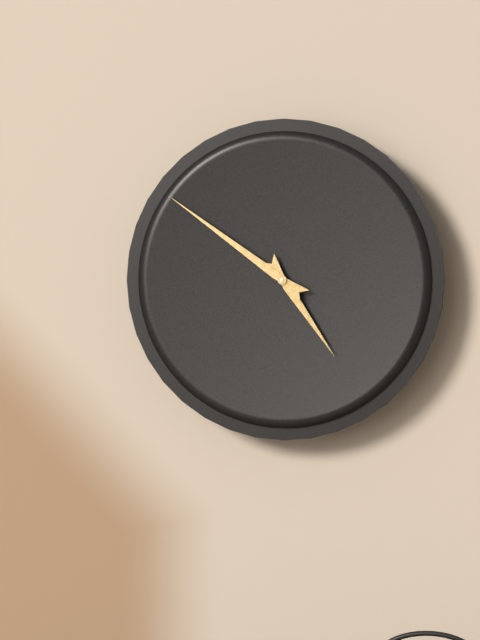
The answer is 4:51
